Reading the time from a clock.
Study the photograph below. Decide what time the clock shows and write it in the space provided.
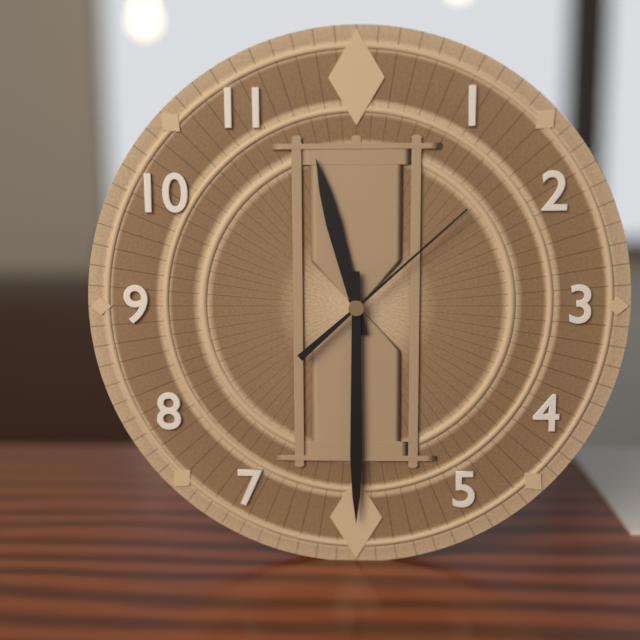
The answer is 11:30:08
